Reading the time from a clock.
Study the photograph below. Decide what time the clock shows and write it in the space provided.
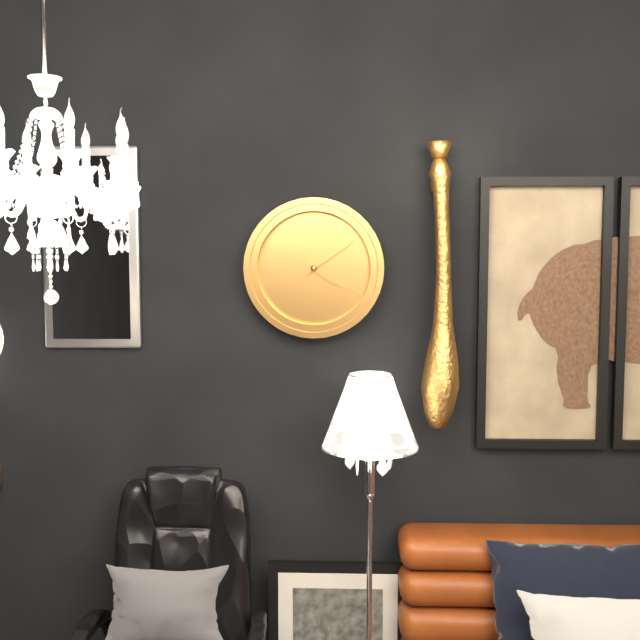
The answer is 4:09
